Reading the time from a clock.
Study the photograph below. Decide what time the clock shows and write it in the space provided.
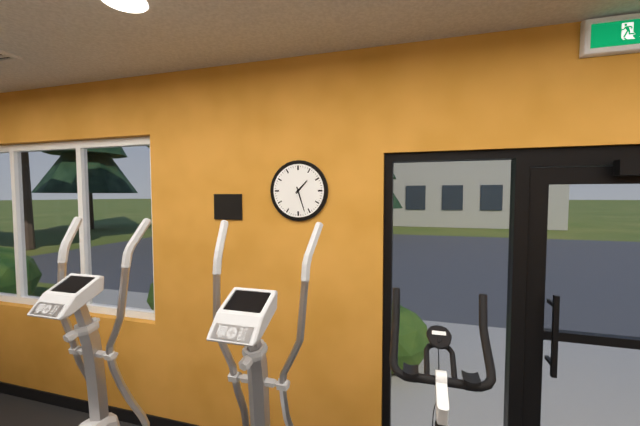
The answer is 1:27
